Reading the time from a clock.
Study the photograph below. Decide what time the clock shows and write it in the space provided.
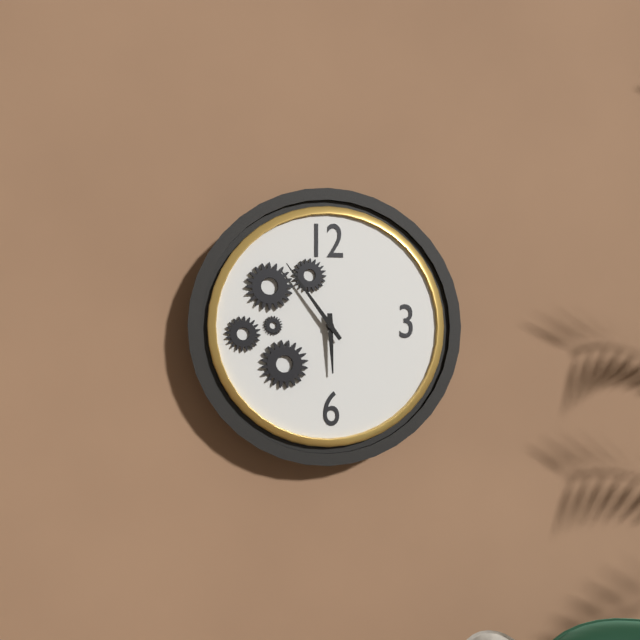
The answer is 5:54
